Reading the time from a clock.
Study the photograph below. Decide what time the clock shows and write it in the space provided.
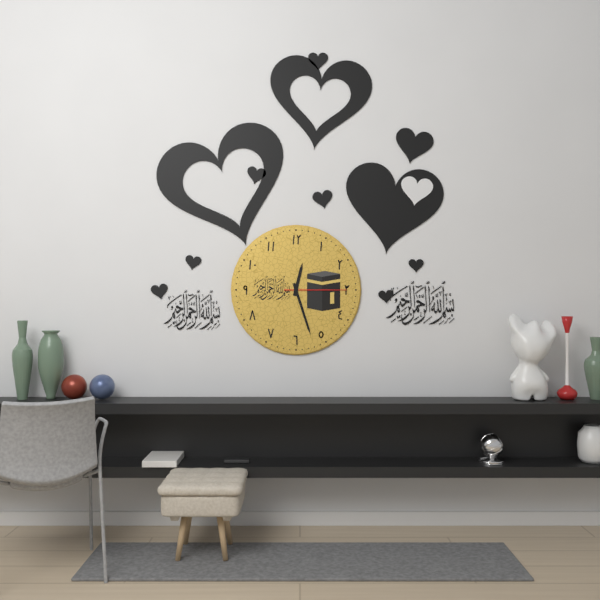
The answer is 12:27:15
